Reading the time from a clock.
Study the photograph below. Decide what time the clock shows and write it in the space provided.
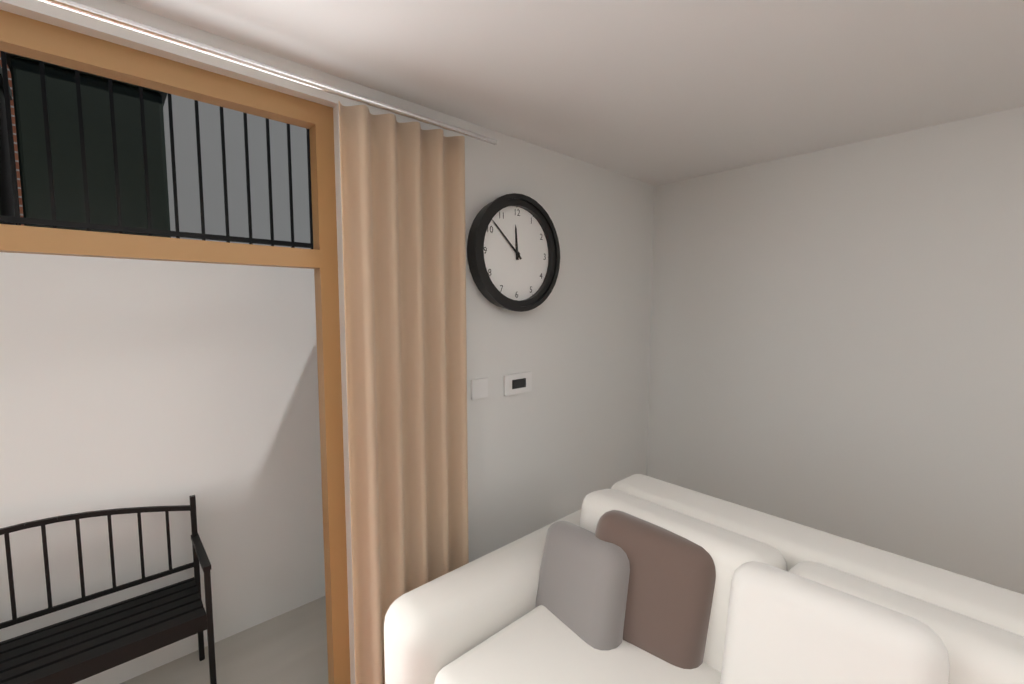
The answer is 11:52
